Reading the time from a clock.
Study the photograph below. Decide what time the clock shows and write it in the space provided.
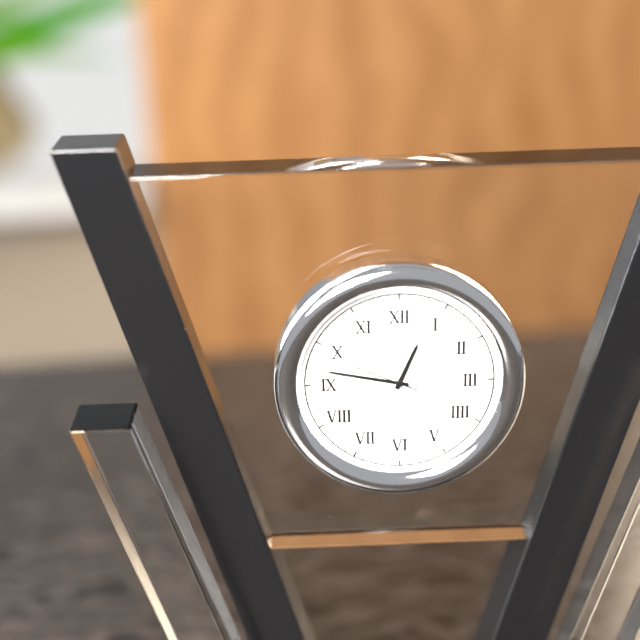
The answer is 12:47:49
